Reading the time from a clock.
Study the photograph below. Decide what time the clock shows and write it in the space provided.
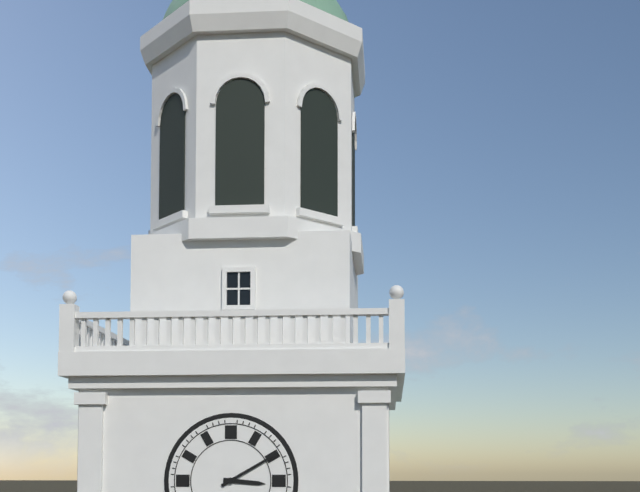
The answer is 3:10
